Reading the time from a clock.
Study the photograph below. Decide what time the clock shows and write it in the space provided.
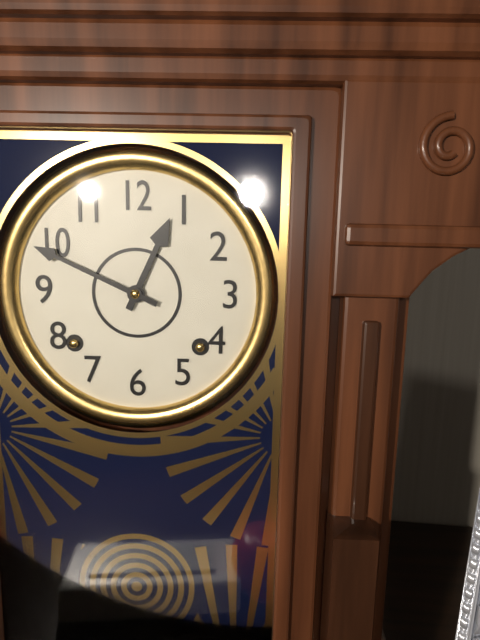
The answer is 12:49
